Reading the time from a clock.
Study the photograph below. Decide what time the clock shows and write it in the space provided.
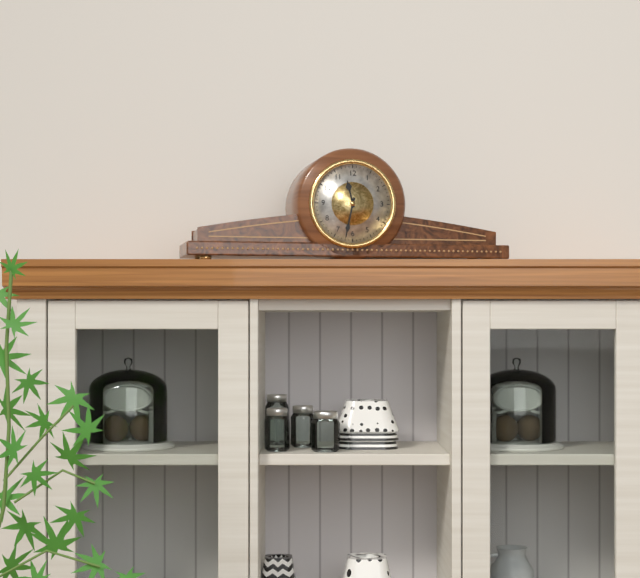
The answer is 11:32
